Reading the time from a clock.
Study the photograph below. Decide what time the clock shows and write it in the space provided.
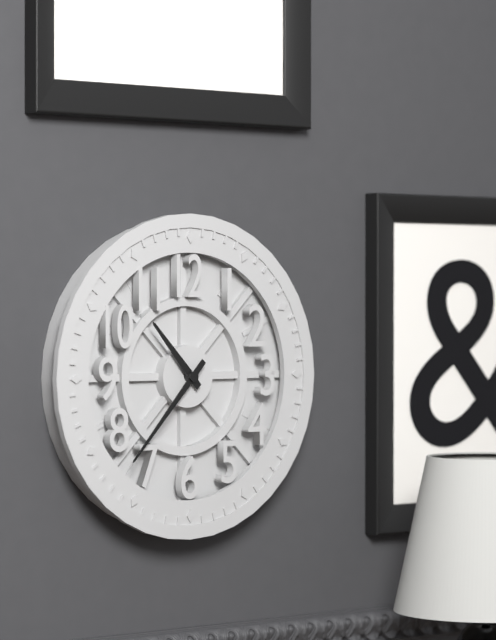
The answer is 10:37
